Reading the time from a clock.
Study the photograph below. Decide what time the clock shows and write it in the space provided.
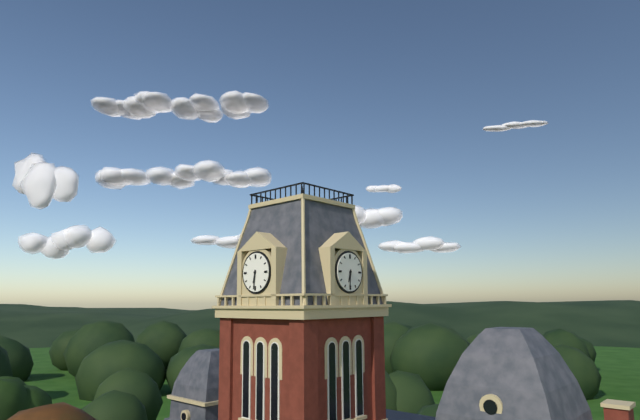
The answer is 6:31
